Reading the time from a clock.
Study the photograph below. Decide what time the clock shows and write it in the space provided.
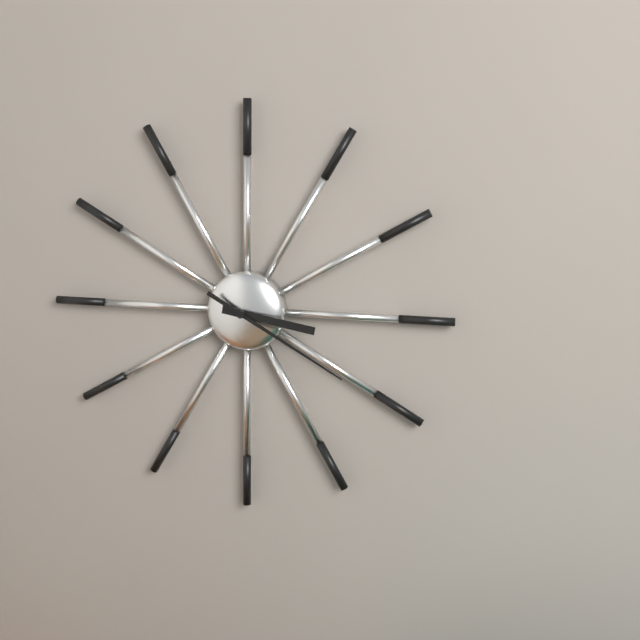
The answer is 3:20
